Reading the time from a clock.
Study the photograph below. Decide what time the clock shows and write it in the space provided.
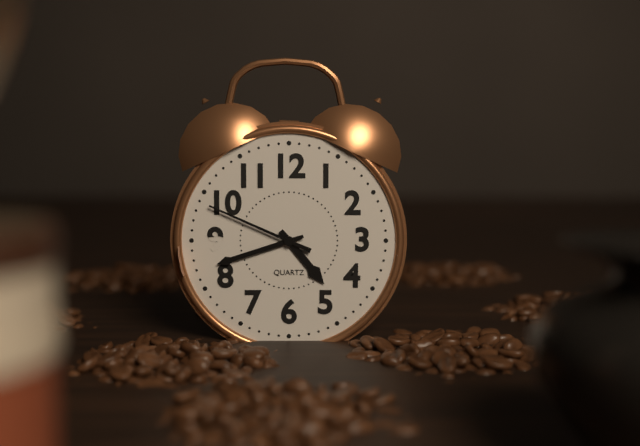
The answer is 4:42:49
